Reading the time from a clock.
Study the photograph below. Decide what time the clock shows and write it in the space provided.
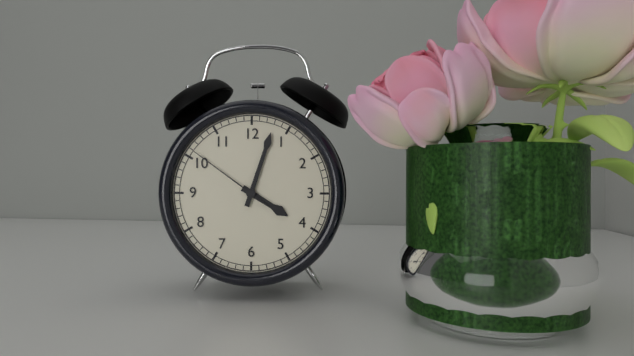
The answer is 4:03:51
